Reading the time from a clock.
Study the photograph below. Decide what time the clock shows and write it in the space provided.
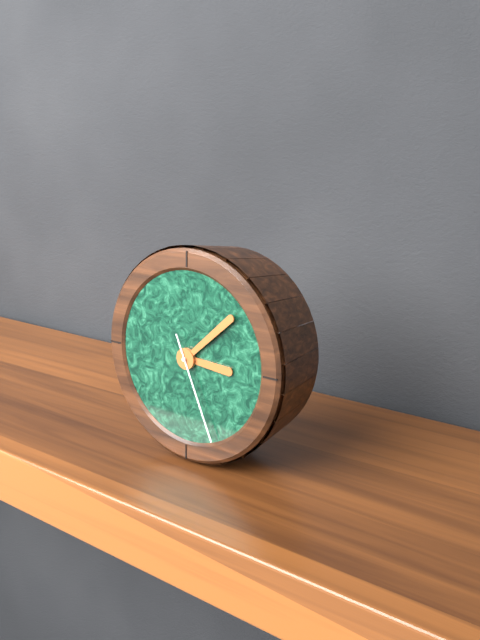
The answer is 3:08:26
